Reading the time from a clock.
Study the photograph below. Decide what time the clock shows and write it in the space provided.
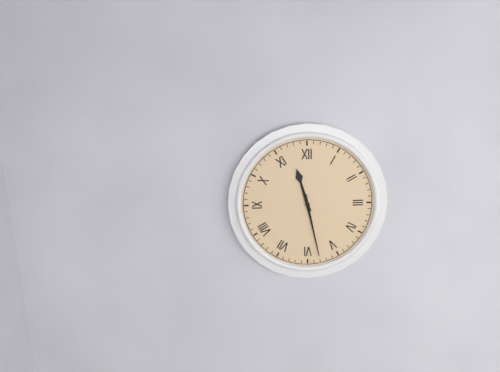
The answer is 11:28
